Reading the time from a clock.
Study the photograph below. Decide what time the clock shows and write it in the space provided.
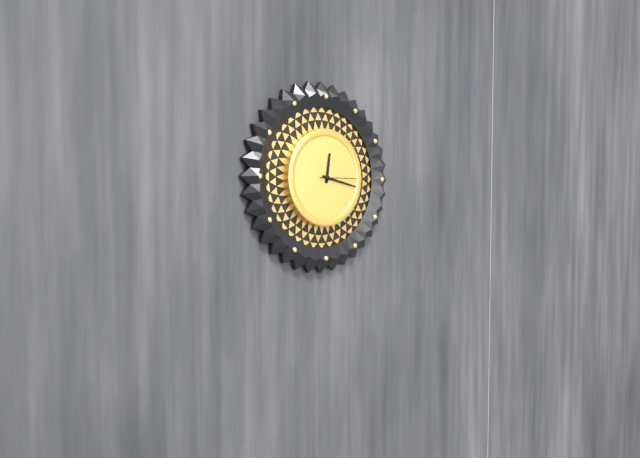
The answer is 12:17
